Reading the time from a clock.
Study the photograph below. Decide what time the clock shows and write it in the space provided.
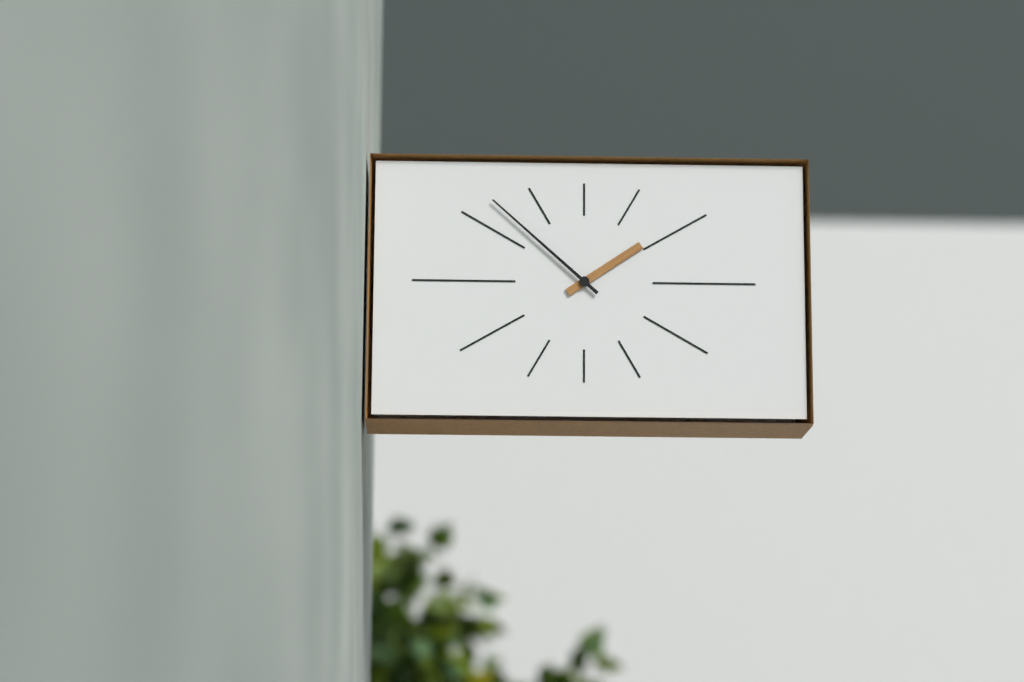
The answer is 1:52
